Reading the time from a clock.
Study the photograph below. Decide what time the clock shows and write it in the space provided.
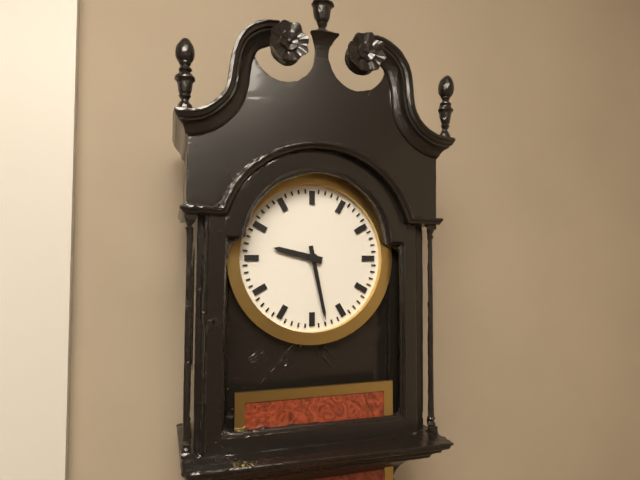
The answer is 9:28
